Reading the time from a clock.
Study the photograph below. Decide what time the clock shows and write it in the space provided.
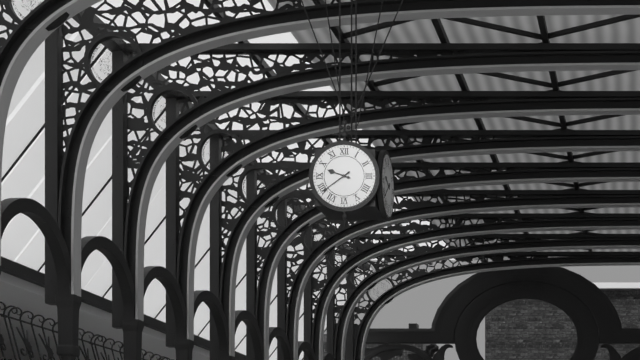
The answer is 9:39
